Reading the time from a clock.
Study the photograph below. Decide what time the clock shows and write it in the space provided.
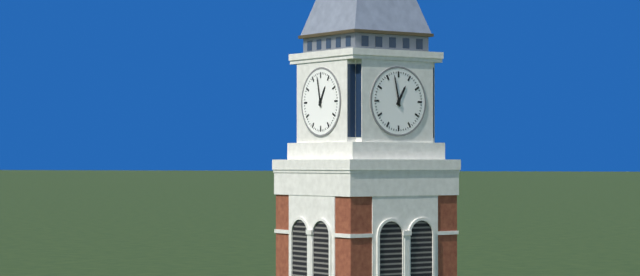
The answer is 12:58
